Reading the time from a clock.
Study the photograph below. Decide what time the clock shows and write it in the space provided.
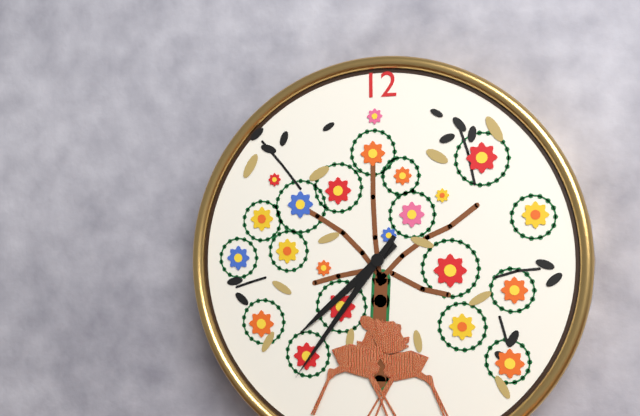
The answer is 7:36
